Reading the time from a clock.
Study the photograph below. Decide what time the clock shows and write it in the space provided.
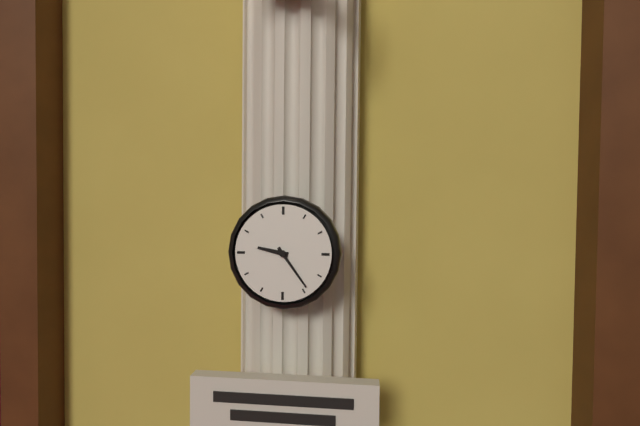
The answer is 9:24
